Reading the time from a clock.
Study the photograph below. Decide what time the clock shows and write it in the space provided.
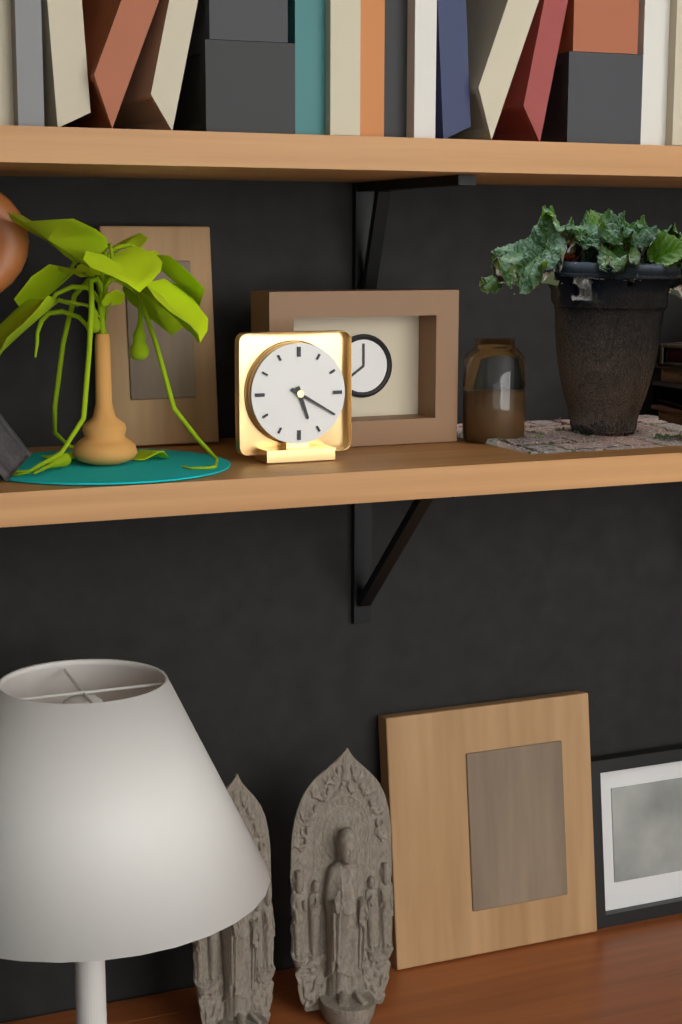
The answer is 5:20
